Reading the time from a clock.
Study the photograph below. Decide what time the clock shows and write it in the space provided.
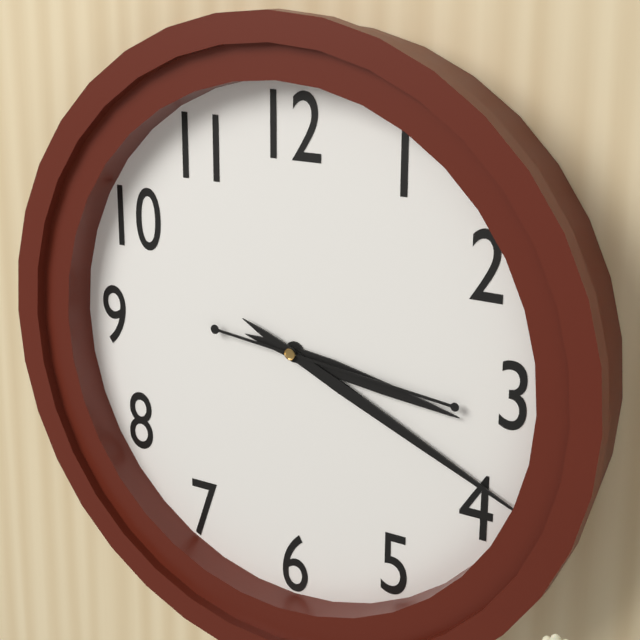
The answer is 3:19:16
